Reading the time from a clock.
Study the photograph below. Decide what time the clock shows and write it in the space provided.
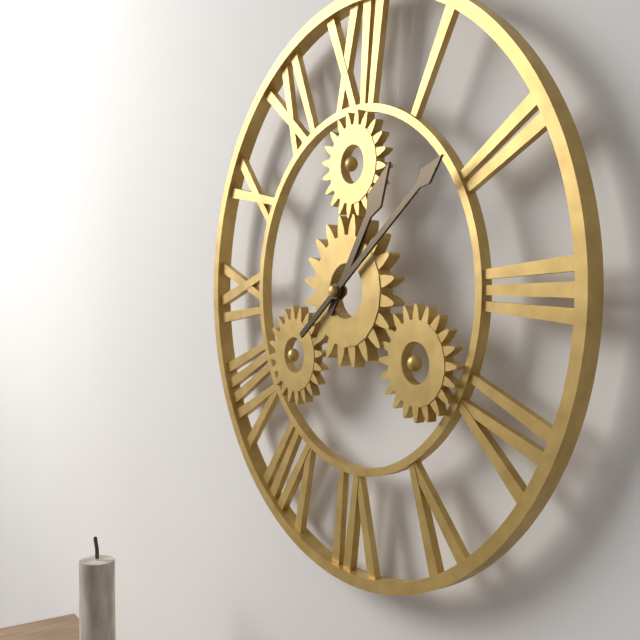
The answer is 1:09
